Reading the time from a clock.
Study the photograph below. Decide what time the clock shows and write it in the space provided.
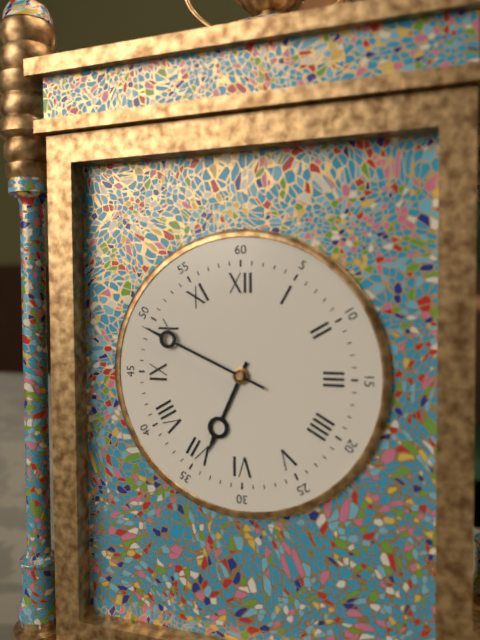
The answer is 6:49
